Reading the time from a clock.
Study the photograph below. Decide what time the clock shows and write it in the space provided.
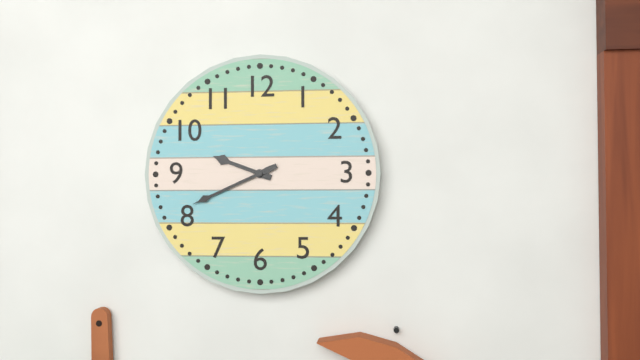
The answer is 9:41
